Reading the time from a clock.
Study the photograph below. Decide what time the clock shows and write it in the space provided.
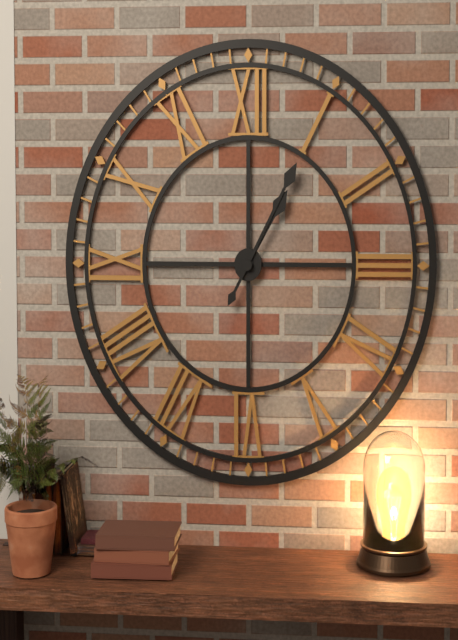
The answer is 1:05
